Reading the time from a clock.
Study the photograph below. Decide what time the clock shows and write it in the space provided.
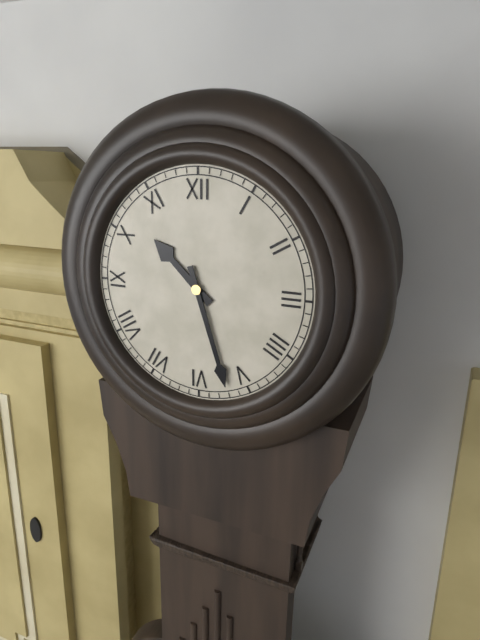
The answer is 10:27
